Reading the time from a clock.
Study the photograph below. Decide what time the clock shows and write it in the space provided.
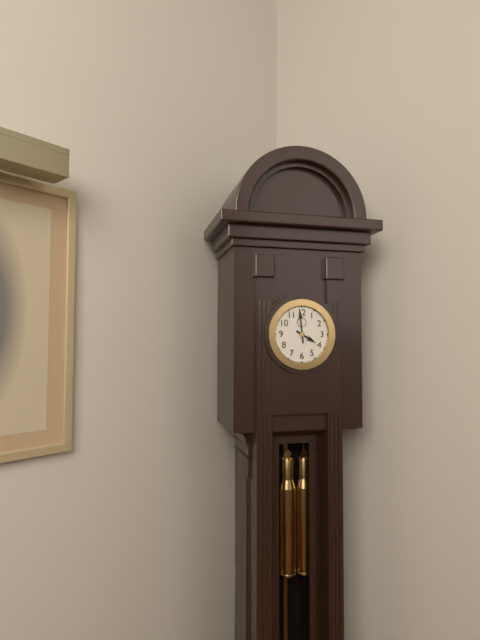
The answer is 3:59
